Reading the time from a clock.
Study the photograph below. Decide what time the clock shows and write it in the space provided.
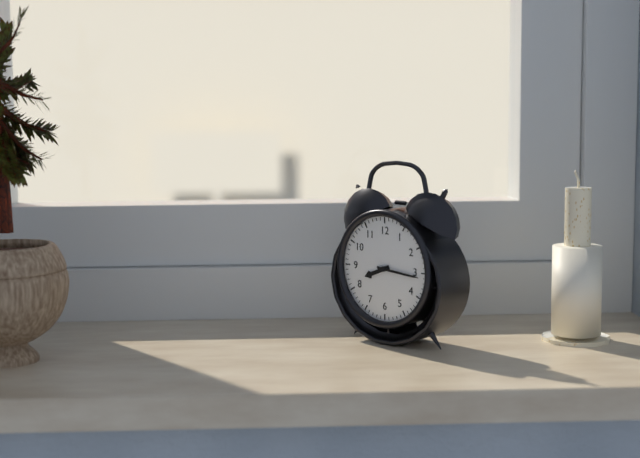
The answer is 8:16
